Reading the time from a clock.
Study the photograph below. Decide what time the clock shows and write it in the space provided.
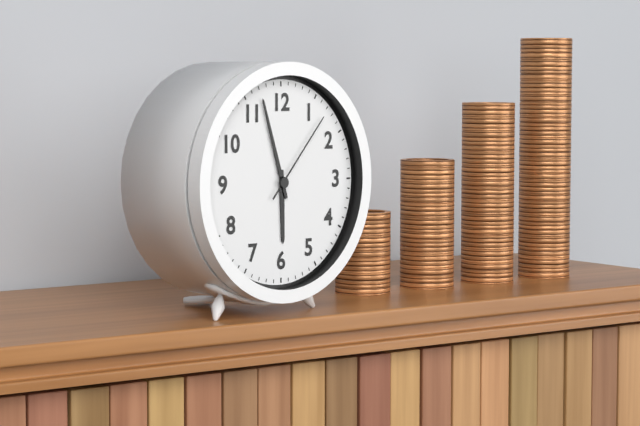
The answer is 5:57:07
